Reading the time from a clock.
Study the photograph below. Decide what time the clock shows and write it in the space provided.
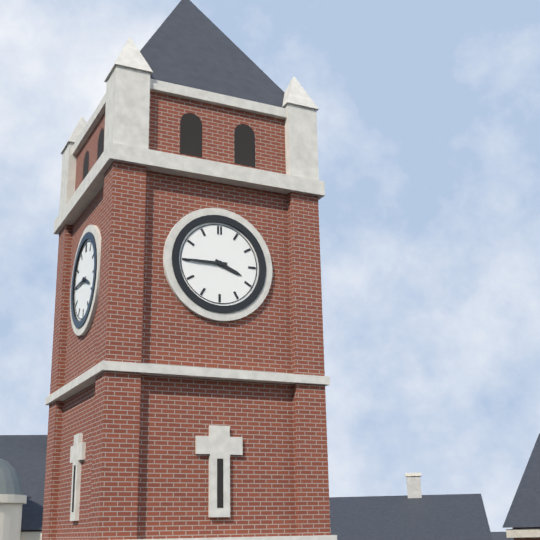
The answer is 3:45
